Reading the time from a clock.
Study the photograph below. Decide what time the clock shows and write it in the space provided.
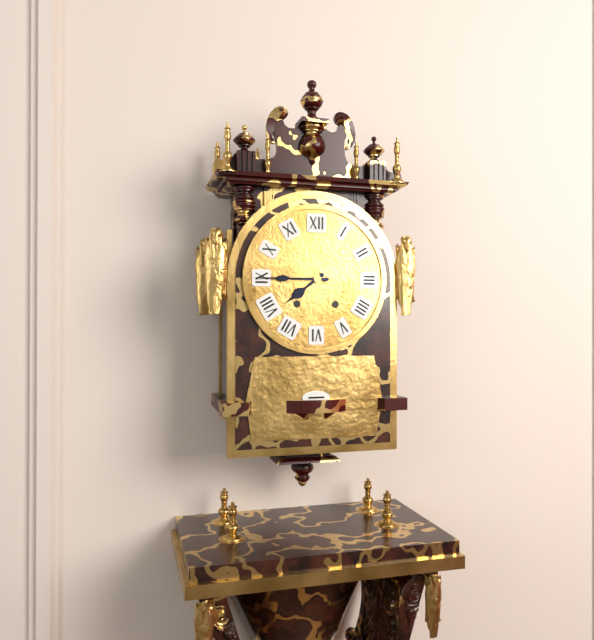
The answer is 7:45
